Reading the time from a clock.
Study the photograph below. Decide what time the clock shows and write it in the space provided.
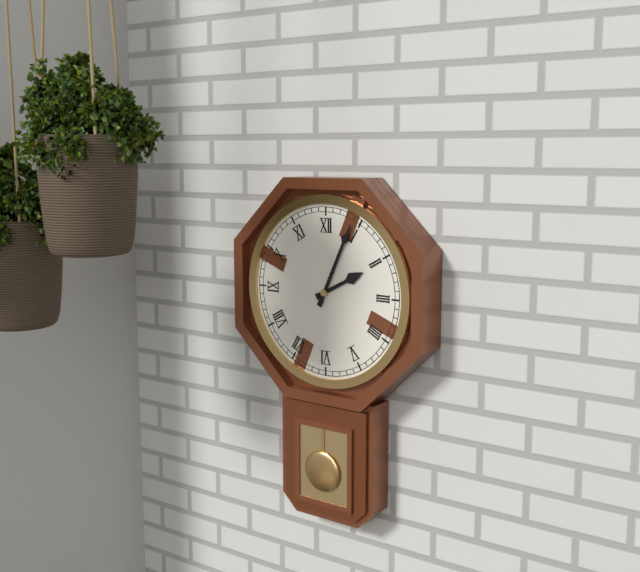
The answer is 2:04
